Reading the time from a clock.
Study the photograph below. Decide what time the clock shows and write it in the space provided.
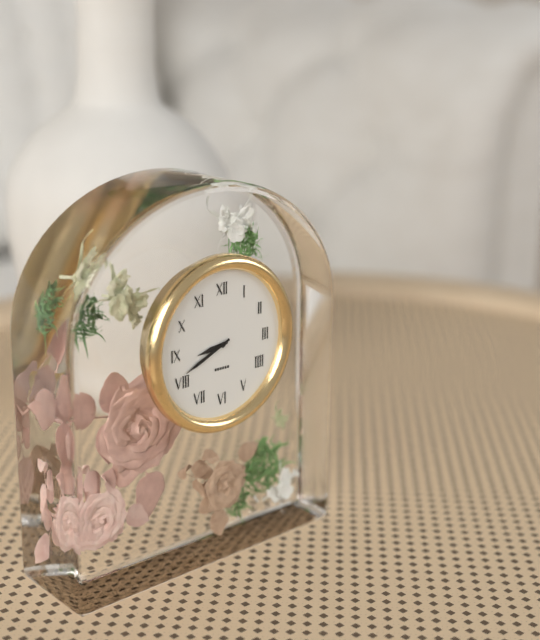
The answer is 8:41
